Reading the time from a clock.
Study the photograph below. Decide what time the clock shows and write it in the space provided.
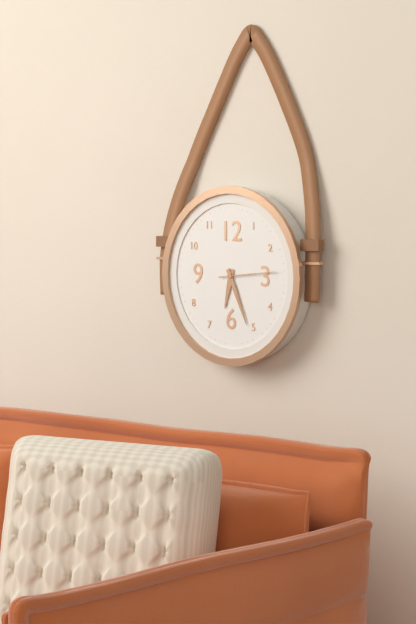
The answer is 6:26:14
